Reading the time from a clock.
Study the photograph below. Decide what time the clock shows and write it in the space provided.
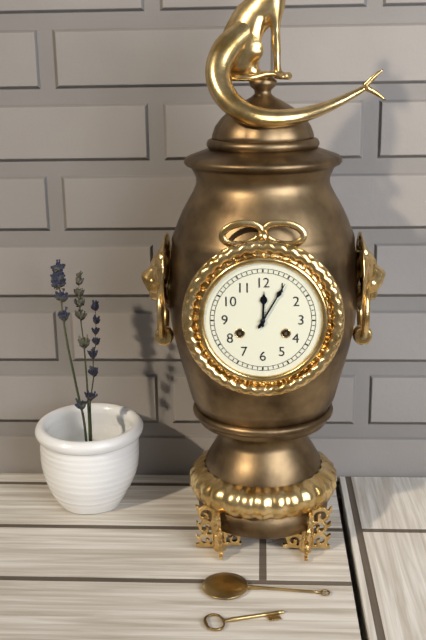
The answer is 12:05
